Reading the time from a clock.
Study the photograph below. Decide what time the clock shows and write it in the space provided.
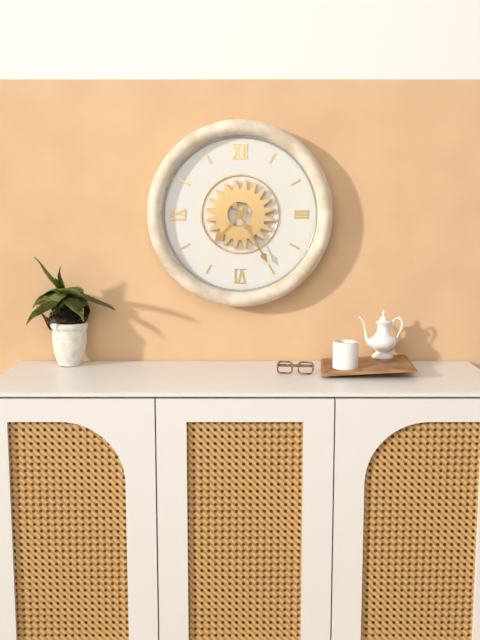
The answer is 7:25
